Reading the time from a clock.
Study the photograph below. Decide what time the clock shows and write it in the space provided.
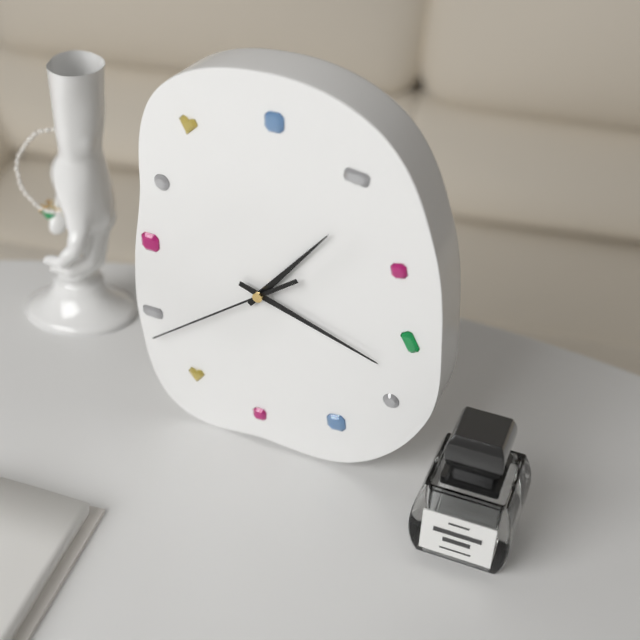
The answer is 1:18:39
